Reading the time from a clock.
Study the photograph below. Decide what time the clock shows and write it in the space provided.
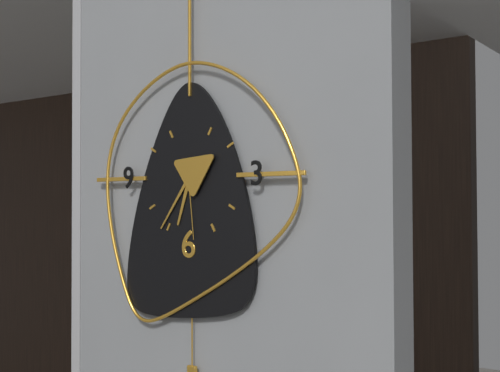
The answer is 6:36:29
